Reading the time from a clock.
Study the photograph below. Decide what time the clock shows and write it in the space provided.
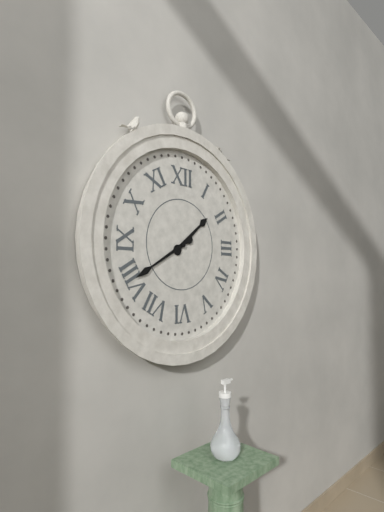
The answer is 1:40
